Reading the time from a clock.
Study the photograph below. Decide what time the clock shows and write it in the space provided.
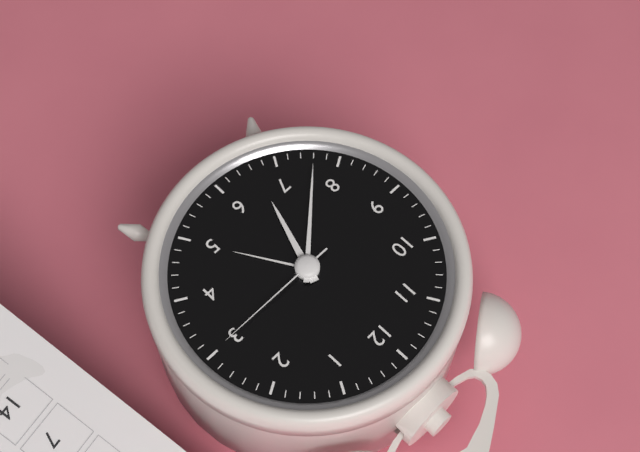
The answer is 6:38:15
